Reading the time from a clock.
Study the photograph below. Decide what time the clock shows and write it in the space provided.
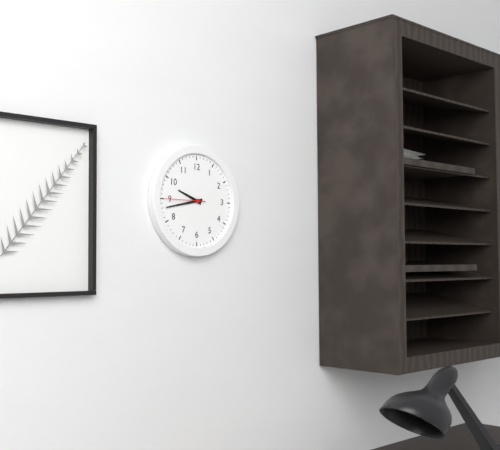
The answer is 9:43
